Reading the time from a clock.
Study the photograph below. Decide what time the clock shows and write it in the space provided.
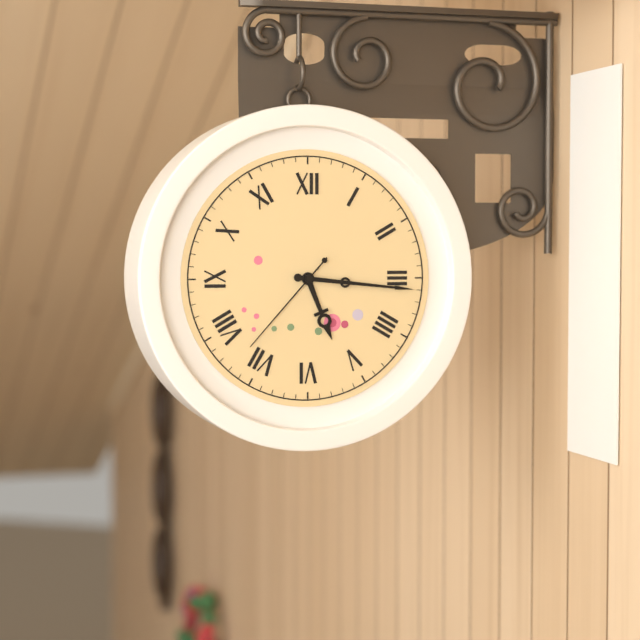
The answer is 5:16:37
